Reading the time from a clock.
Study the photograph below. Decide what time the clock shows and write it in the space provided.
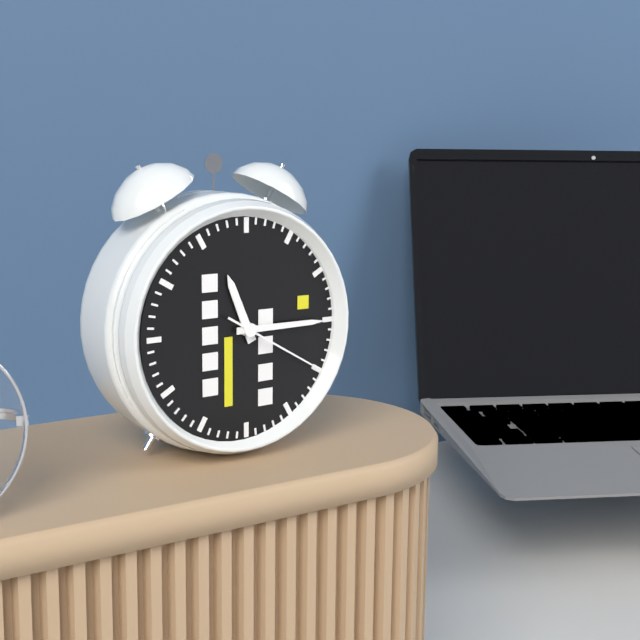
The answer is 11:15:20
